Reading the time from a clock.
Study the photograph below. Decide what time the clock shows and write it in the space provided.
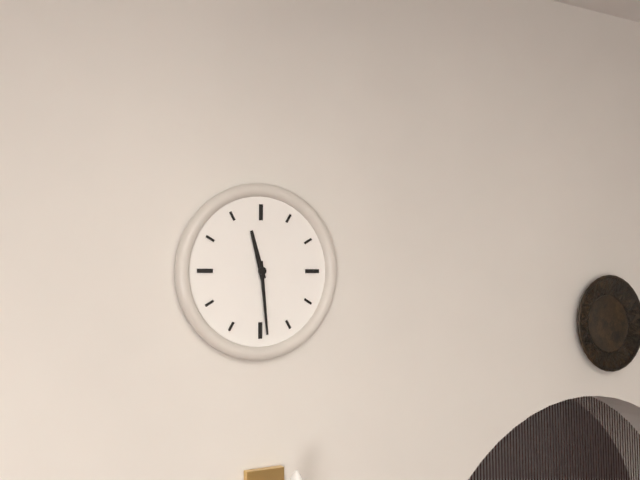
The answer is 11:29
